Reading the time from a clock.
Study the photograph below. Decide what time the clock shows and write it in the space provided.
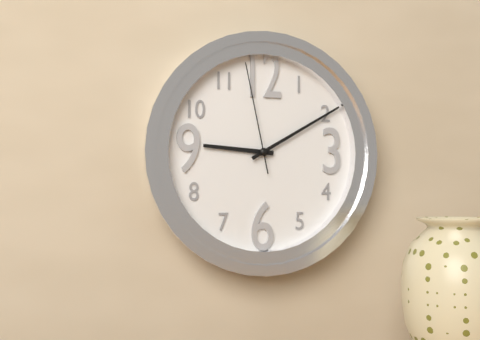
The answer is 9:10:58
